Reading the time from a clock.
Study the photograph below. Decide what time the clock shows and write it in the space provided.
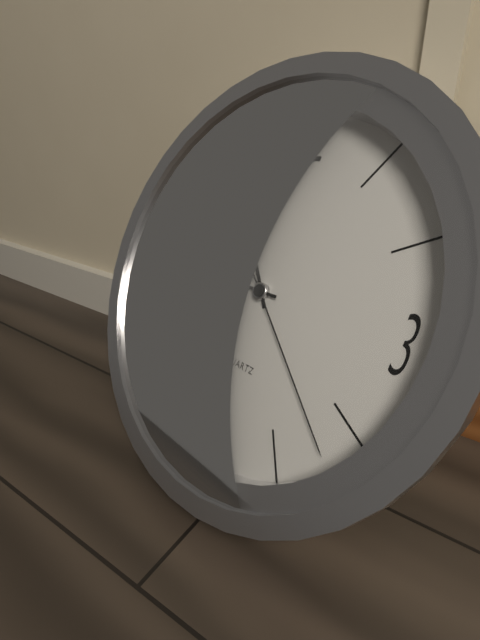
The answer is 10:45:22
